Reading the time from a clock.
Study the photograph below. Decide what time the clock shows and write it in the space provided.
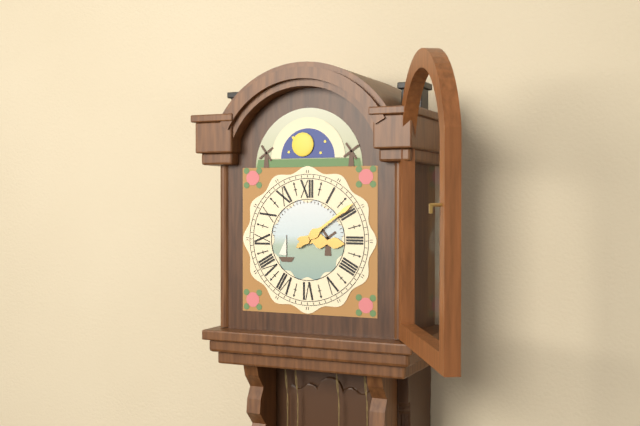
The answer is 3:09
